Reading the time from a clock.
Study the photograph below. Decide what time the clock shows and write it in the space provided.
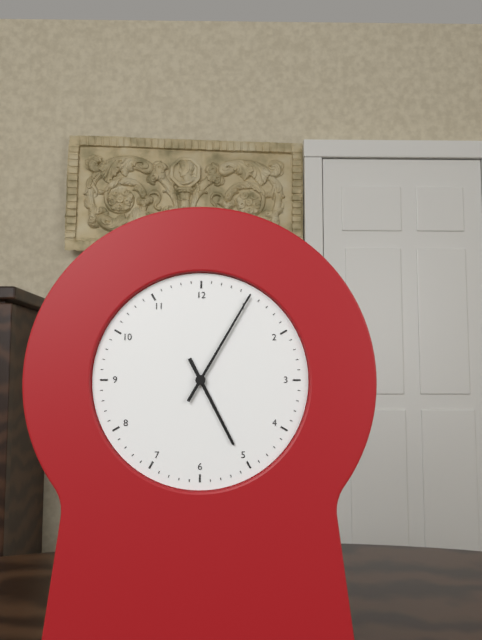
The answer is 5:05
